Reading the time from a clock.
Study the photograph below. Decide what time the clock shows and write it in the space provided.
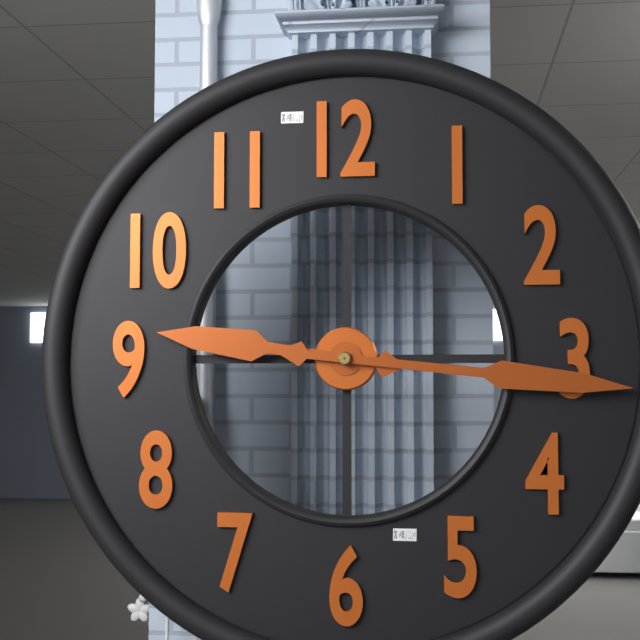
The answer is 9:16
